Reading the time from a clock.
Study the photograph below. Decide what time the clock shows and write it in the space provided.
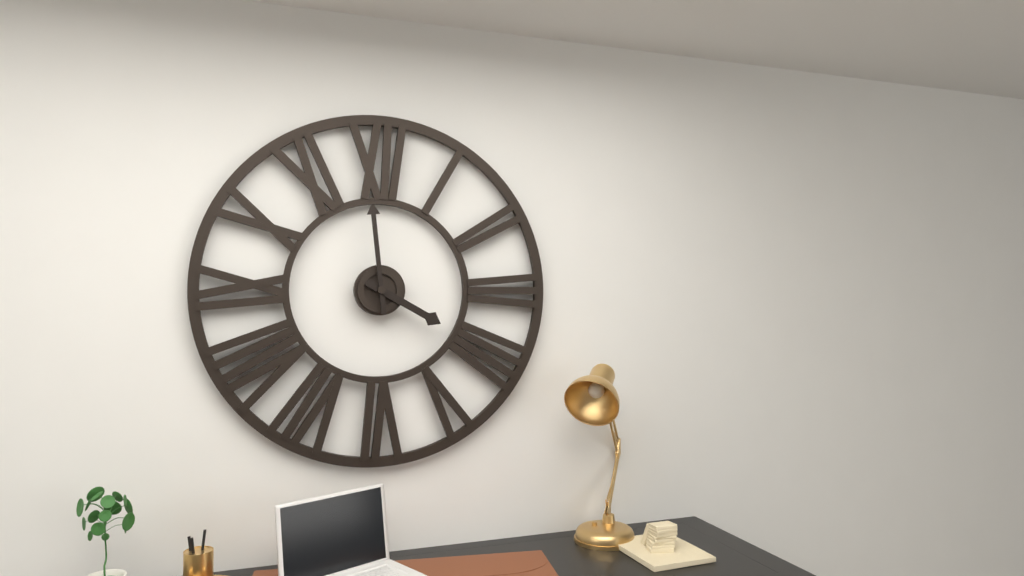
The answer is 3:59
